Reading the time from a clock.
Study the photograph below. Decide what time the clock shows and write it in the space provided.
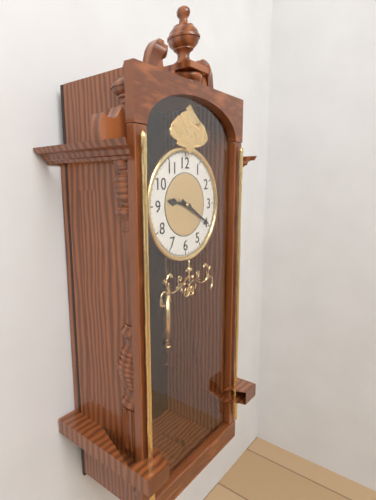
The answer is 9:20
